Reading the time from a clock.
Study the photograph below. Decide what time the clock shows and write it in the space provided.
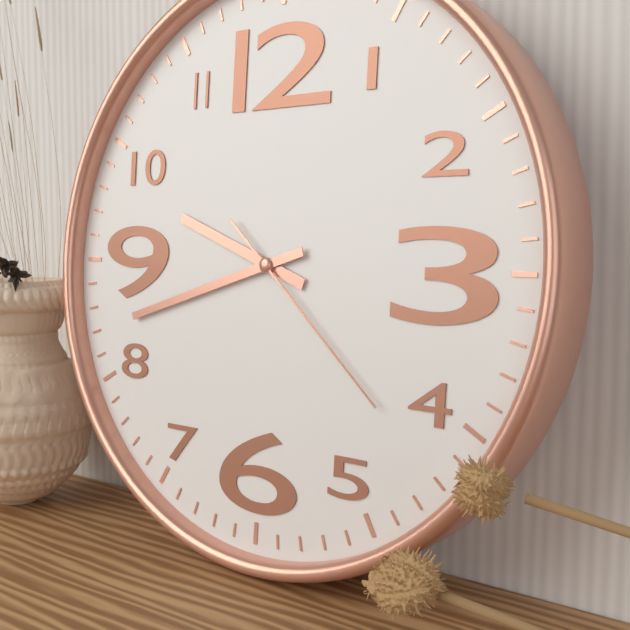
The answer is 9:42:22
